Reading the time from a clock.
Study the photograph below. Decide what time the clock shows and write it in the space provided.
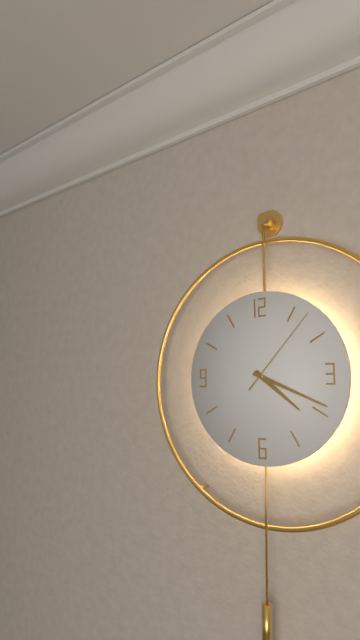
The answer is 4:19:07
